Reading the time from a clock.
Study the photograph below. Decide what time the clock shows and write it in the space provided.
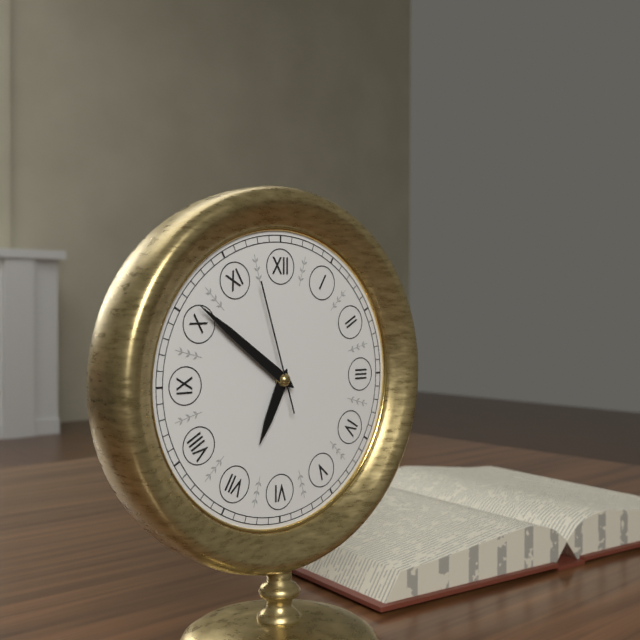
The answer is 6:51:57
